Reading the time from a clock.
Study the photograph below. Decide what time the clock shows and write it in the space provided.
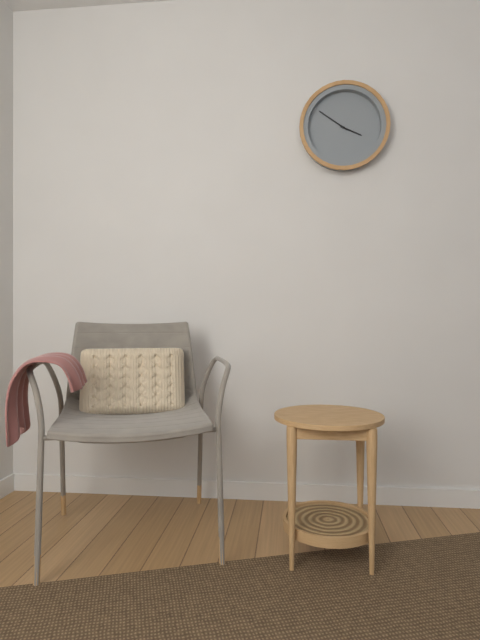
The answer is 3:51
